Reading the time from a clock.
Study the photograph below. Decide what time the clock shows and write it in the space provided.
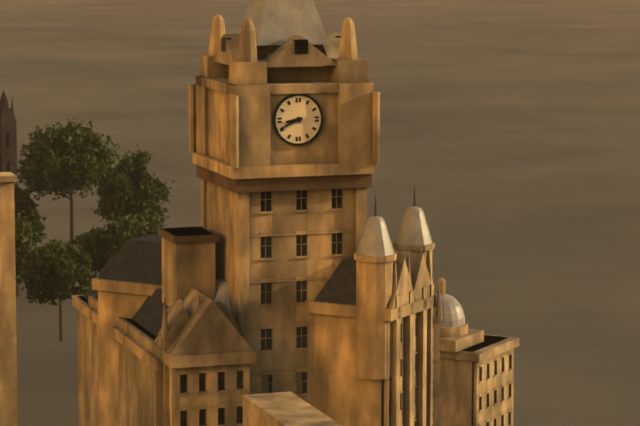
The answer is 8:41
